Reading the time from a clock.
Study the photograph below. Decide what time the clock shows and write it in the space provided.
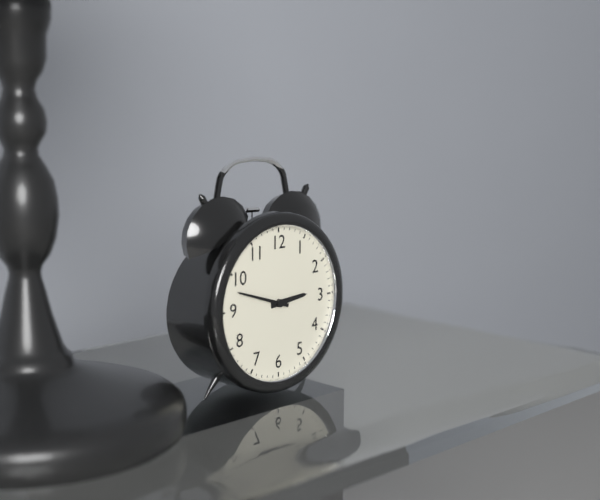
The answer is 2:48
